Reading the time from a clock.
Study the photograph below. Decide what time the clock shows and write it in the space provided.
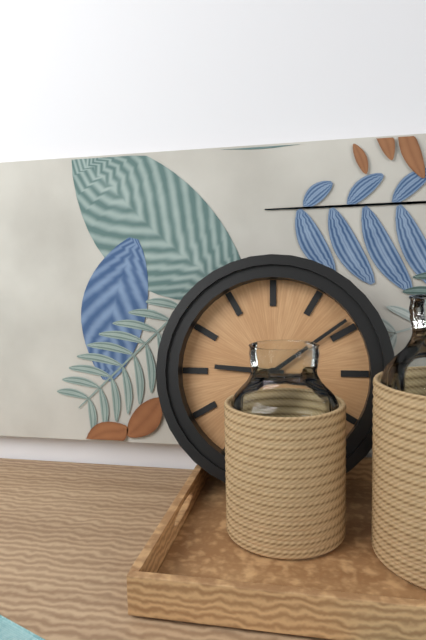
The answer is 9:09
